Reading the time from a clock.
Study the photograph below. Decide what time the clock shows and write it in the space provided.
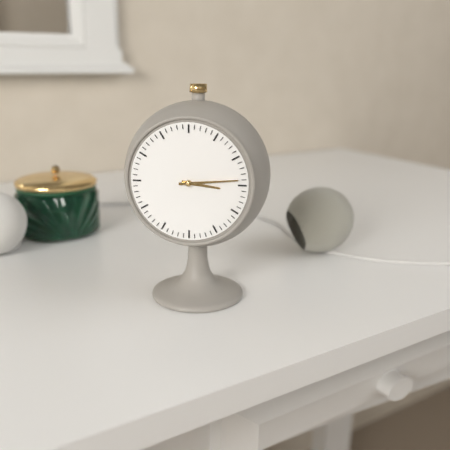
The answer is 3:14
